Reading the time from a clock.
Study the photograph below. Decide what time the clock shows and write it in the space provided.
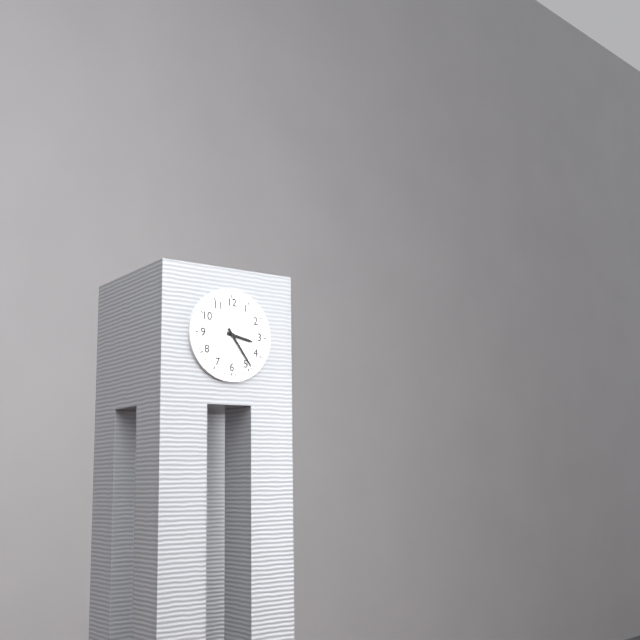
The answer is 3:24
